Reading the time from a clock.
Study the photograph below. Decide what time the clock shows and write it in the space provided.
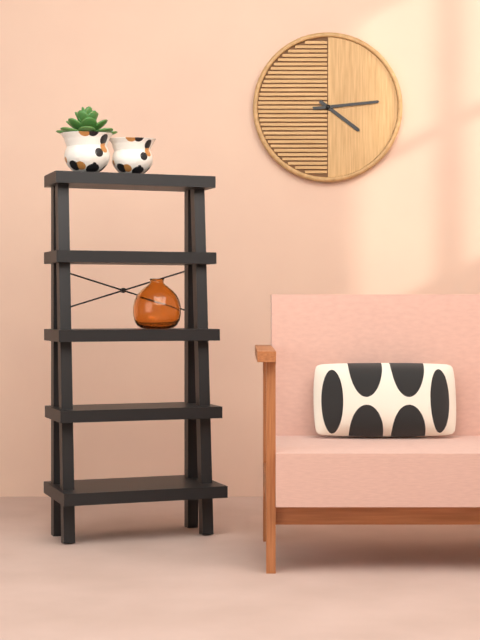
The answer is 4:14
